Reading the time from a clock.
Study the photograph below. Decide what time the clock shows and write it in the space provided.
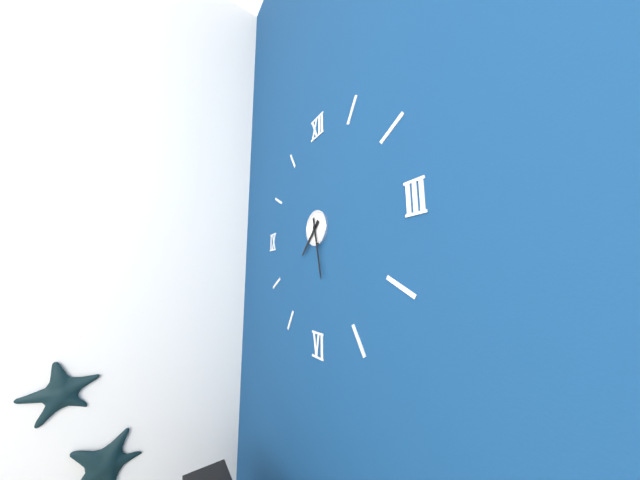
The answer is 7:28
